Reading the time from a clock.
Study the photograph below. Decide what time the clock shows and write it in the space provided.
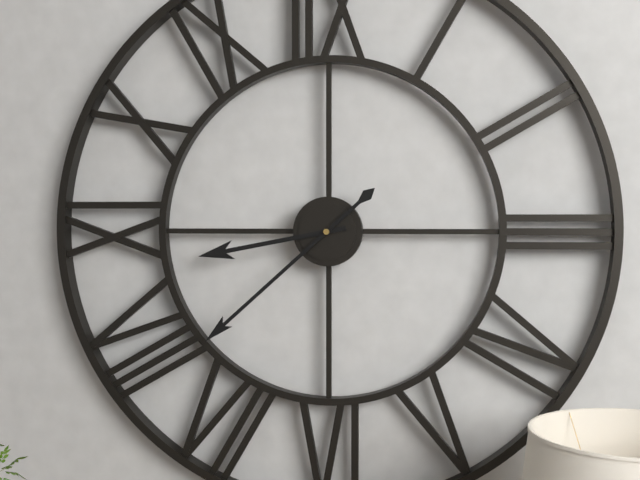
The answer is 8:38
